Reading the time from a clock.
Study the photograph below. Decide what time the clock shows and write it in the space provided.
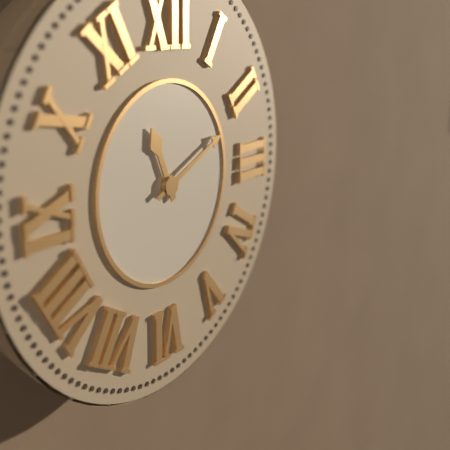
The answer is 11:11
